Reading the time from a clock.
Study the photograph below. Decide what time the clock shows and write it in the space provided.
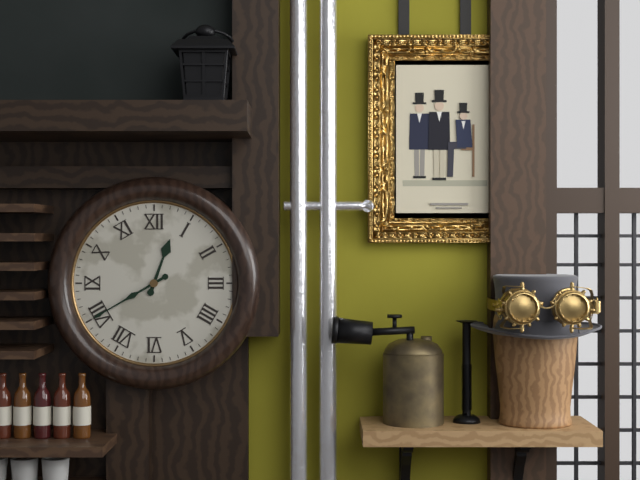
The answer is 12:40
